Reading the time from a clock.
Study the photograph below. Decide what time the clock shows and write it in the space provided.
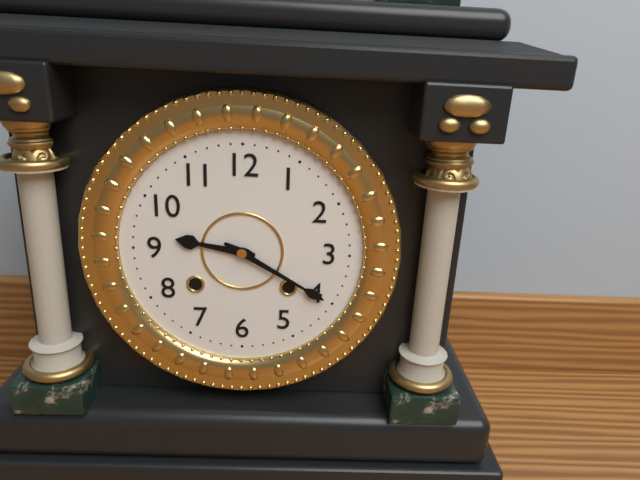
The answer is 9:20
